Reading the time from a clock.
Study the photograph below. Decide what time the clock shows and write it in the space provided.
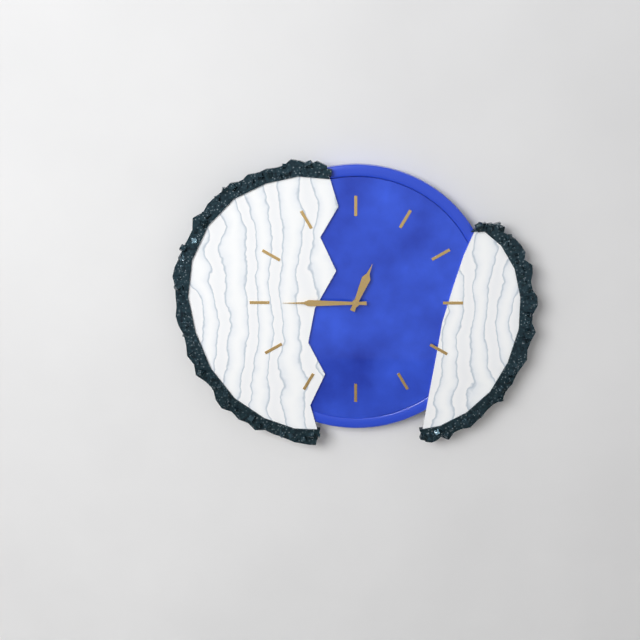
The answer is 12:45
